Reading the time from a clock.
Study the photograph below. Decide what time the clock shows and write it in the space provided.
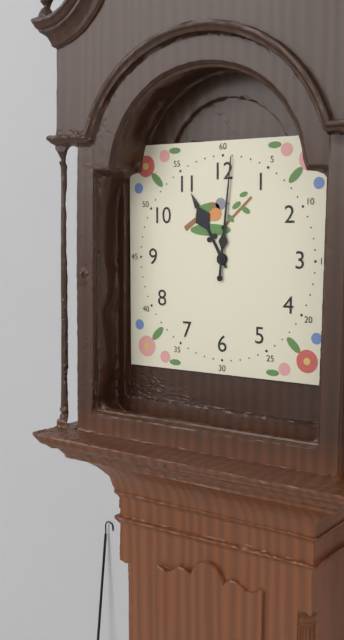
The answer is 11:01
